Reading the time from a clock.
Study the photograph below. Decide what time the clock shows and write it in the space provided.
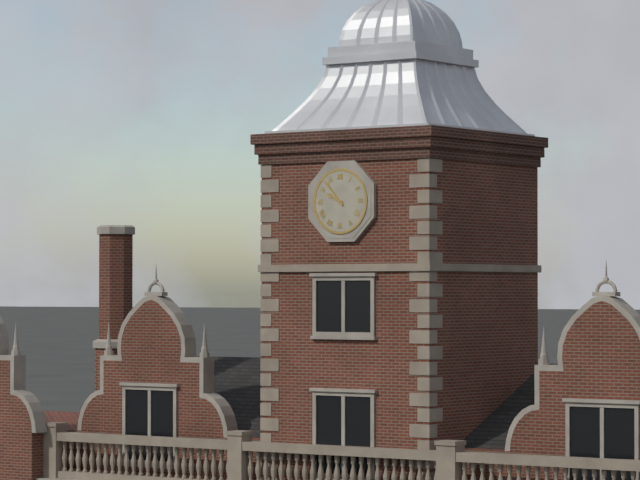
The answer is 9:53
